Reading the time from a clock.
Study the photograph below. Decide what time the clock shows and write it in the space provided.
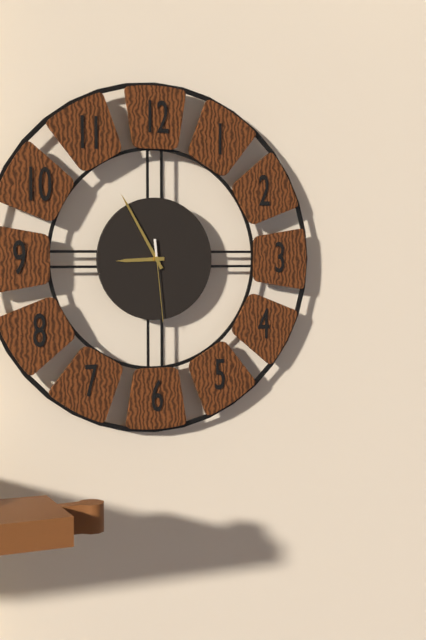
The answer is 8:55:29
